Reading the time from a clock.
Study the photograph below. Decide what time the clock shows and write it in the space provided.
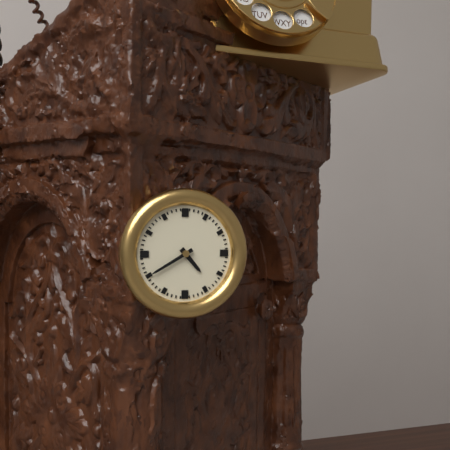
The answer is 4:40
